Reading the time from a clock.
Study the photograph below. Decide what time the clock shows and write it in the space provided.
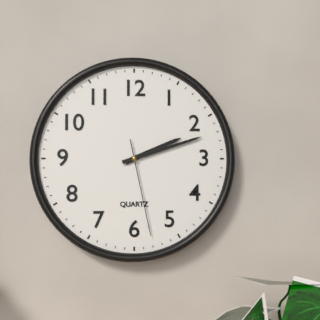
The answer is 2:12:28
